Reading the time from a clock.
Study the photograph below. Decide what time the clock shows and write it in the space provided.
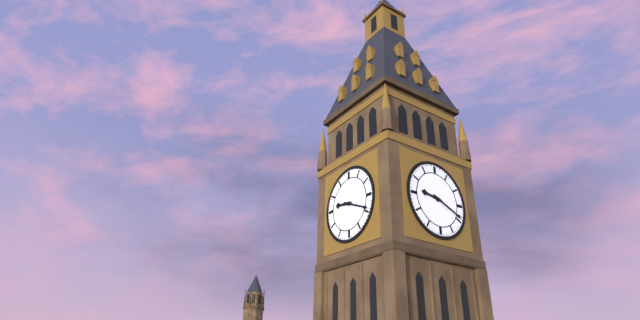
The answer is 9:19
